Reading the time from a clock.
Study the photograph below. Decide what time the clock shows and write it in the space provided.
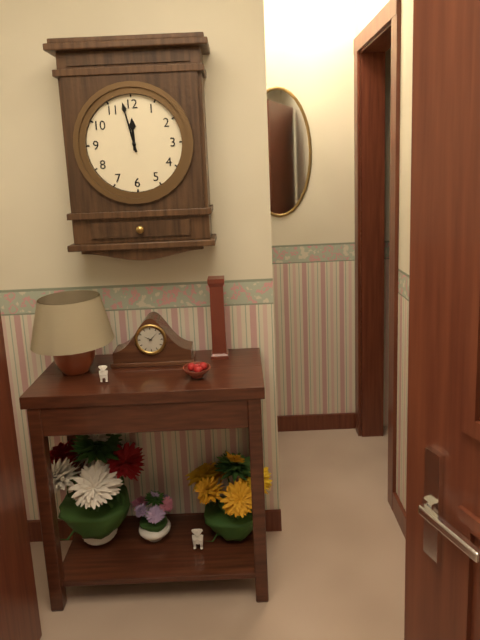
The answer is 11:58
